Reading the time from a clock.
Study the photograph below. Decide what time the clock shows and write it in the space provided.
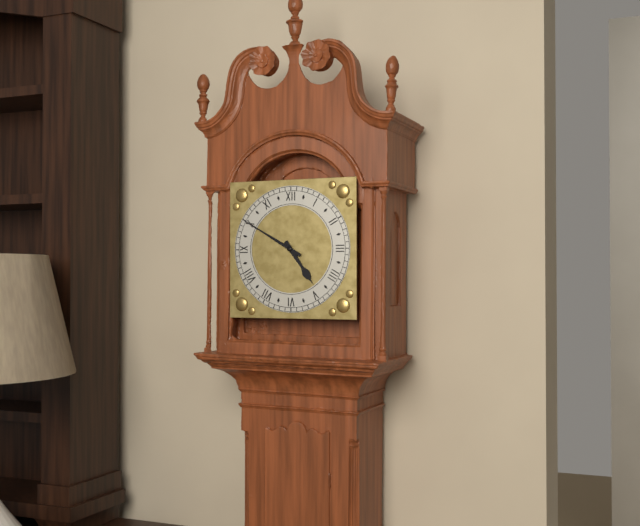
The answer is 4:50
